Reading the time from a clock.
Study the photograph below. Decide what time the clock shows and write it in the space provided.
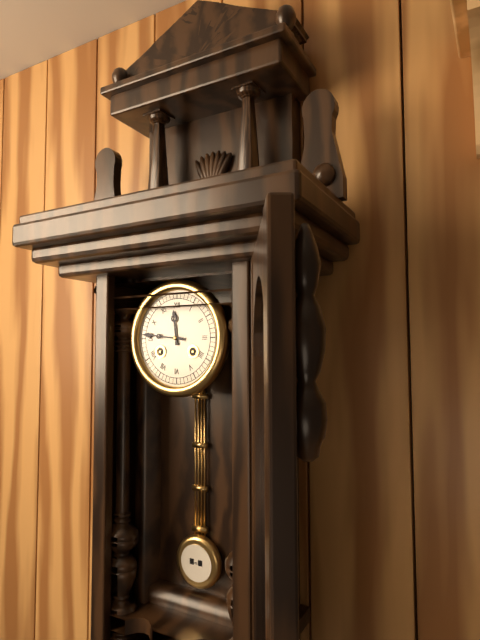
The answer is 11:46
